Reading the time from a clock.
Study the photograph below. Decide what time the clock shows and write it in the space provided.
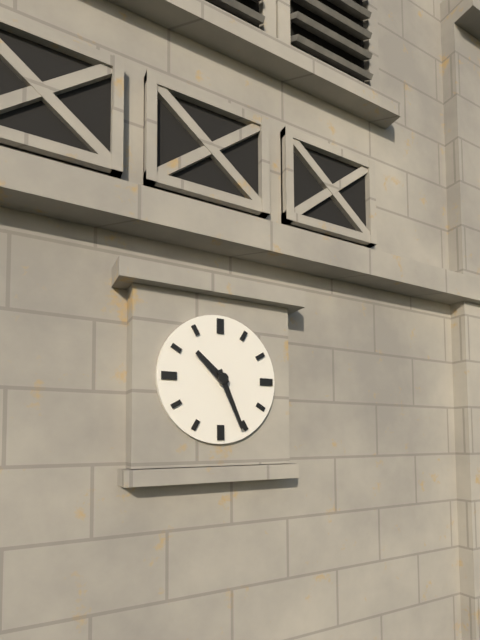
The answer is 10:26
